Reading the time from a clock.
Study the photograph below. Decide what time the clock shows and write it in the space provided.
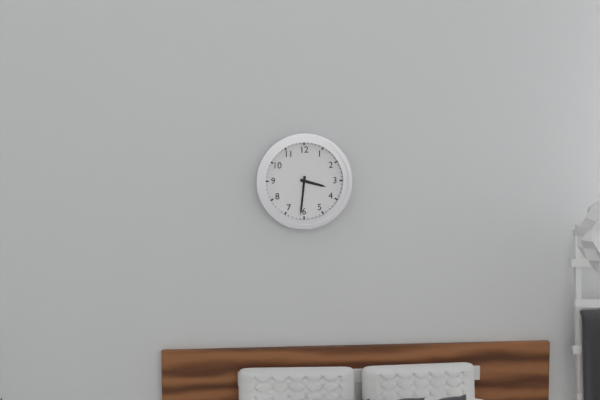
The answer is 3:31
